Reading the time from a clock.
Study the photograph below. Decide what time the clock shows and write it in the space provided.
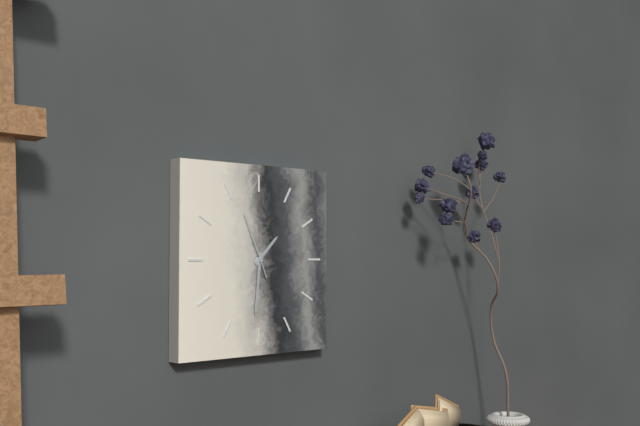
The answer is 1:31:56
